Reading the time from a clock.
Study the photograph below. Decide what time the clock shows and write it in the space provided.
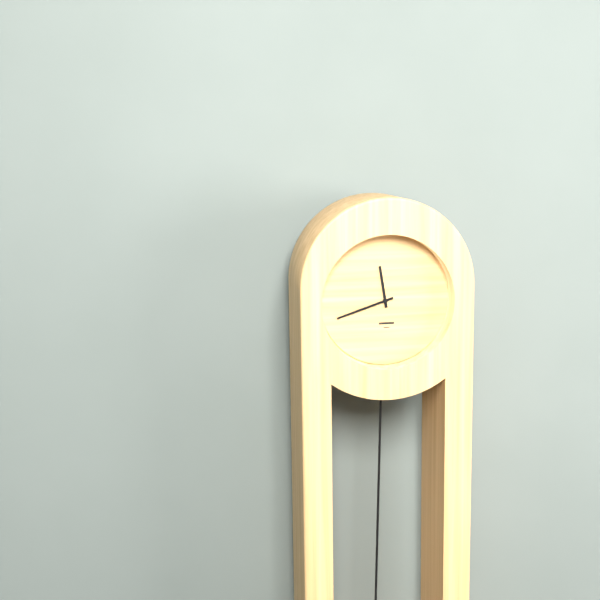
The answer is 11:42
